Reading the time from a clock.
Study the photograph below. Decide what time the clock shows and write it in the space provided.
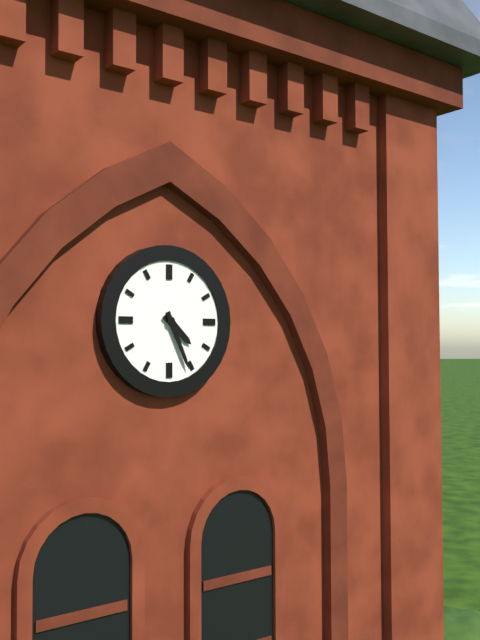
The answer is 4:26
